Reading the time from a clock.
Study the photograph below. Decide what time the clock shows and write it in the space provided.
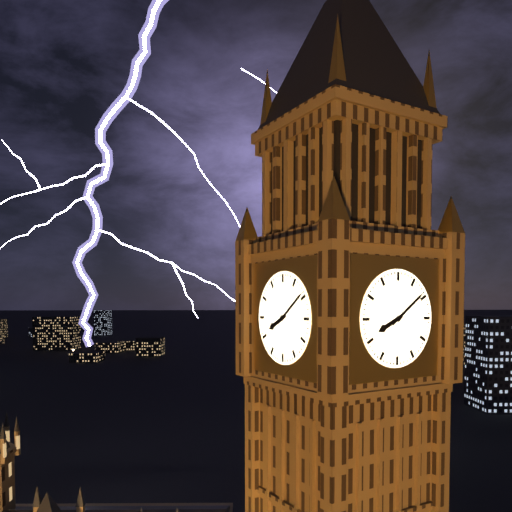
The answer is 8:09
